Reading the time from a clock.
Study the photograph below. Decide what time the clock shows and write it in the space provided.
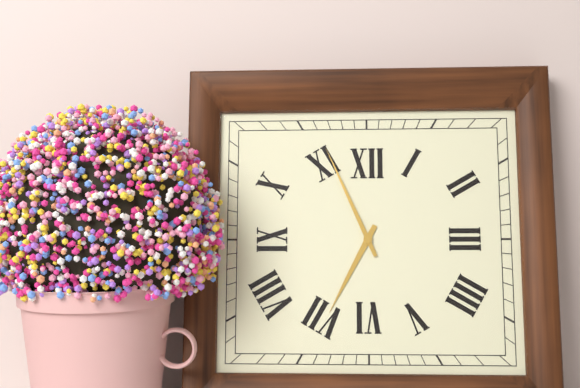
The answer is 6:56
